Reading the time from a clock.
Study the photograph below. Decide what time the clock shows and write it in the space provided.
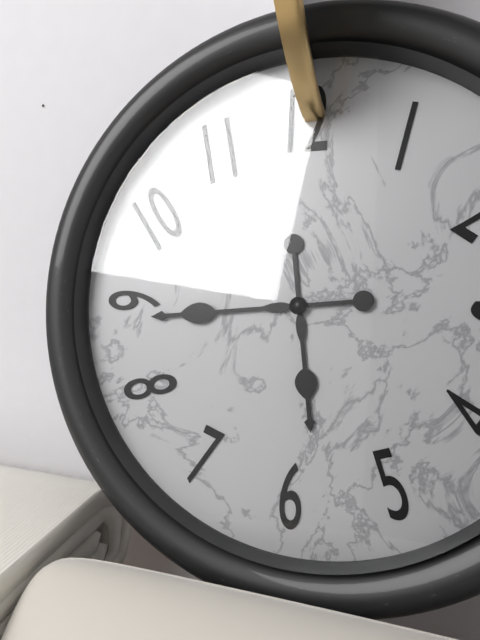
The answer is 5:44
